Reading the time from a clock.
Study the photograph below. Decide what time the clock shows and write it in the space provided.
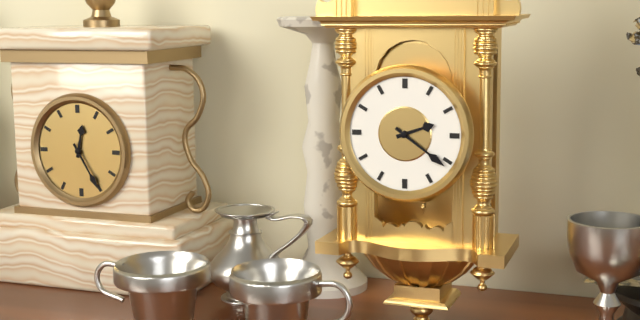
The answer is 2:21
